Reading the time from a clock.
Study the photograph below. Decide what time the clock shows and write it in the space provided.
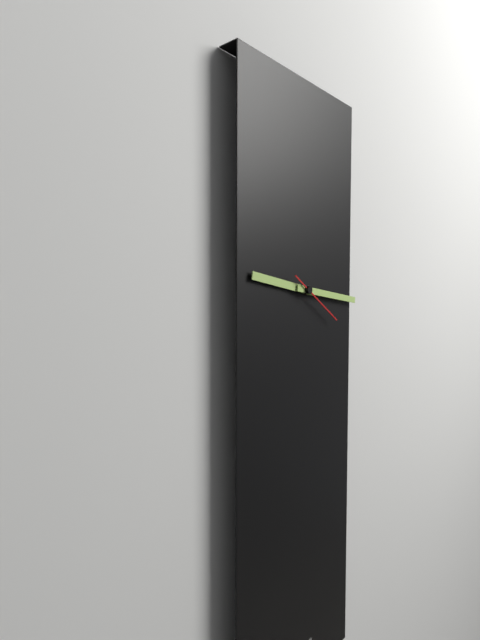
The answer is 9:16:20
